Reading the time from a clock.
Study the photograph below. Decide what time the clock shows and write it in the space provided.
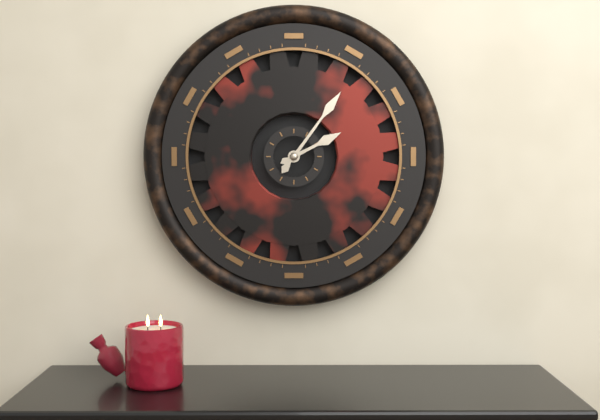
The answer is 2:06
